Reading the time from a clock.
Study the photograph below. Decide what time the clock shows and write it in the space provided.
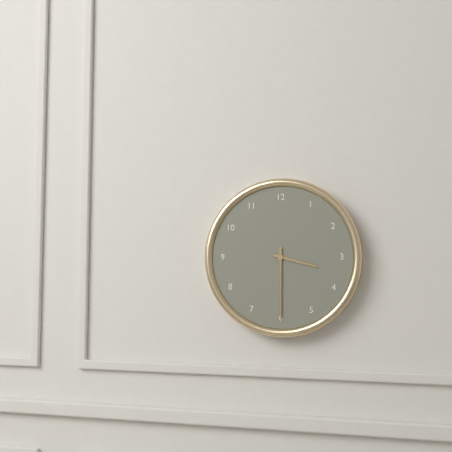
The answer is 3:30
